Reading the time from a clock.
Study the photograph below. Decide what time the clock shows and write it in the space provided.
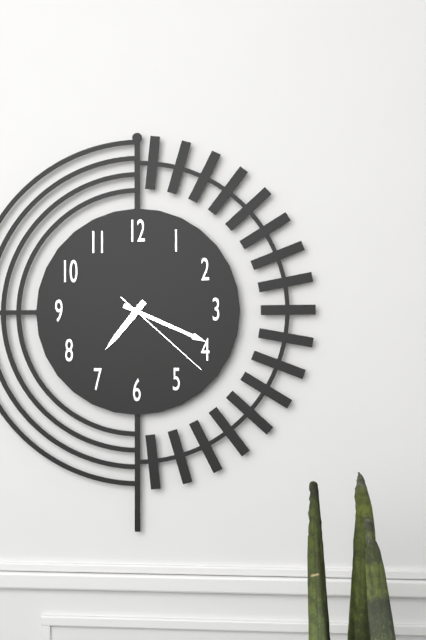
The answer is 7:19:22
